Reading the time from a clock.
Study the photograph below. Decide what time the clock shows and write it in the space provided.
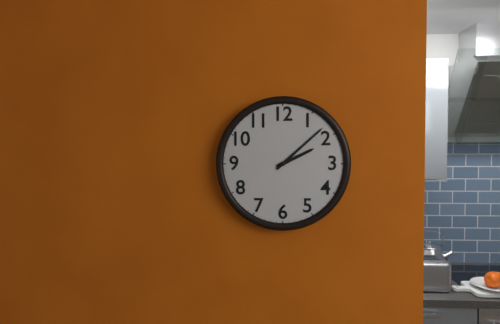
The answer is 2:08
